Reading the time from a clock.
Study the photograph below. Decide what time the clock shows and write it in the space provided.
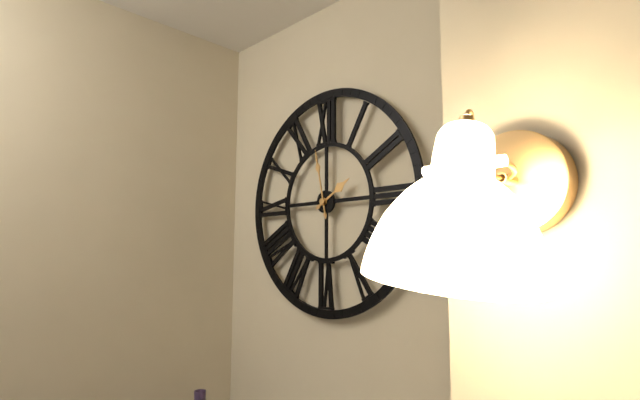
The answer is 1:58
